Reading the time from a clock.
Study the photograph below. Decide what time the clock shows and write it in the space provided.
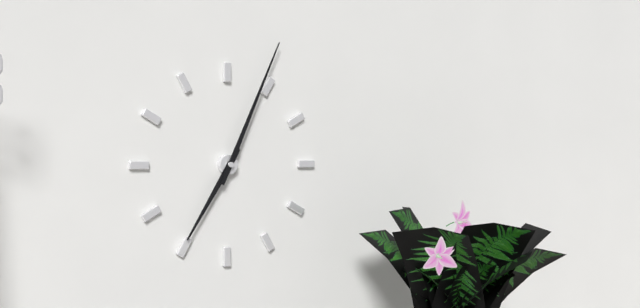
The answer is 7:04
